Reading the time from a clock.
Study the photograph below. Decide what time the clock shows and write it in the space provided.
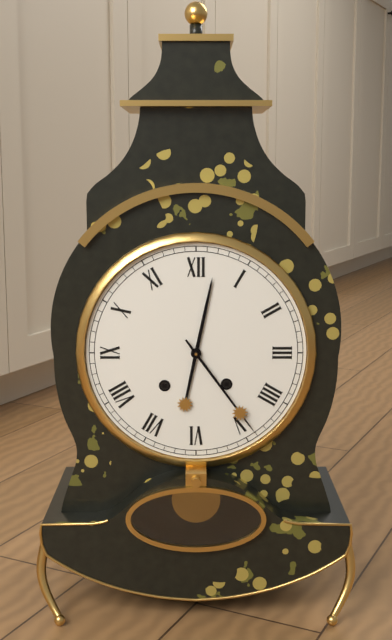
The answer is 12:24
